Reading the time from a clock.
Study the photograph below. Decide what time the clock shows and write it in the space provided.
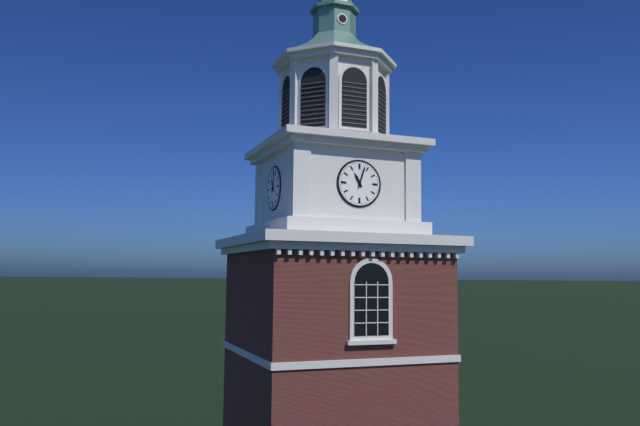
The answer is 11:03
